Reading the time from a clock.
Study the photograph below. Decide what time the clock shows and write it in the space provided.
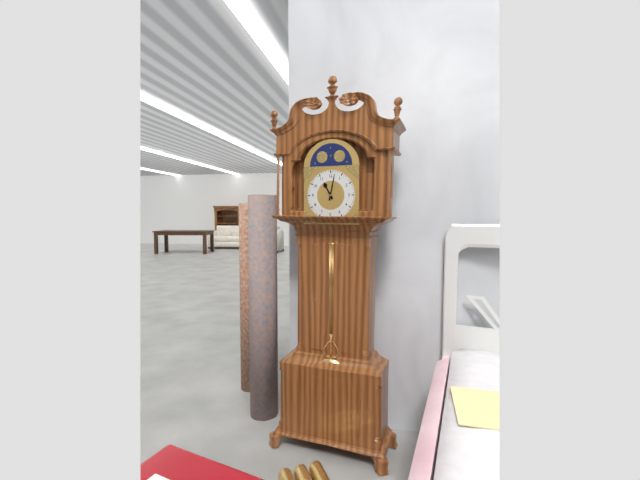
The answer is 11:02
